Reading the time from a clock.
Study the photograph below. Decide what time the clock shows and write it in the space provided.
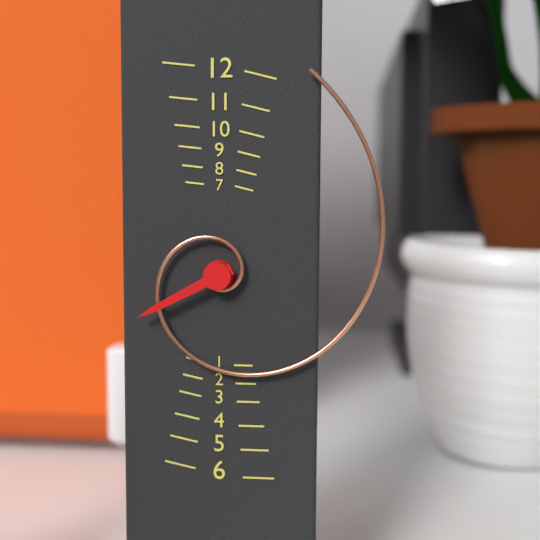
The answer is 8:04
